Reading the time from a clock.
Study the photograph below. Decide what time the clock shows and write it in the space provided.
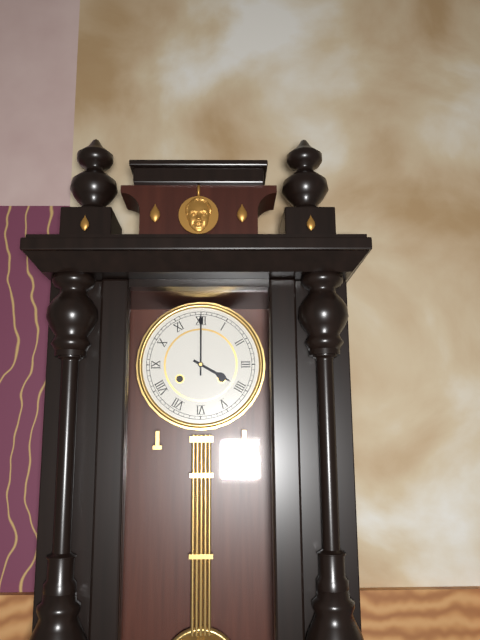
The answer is 4:00
